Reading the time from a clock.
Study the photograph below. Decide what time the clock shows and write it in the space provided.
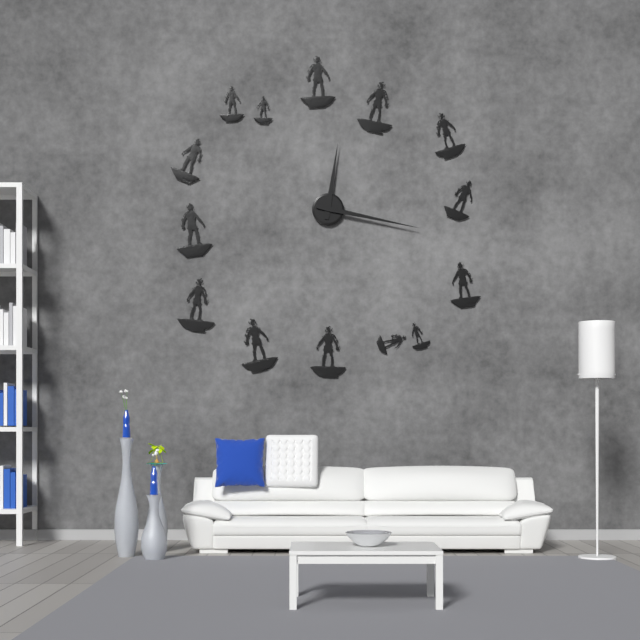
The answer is 12:17
